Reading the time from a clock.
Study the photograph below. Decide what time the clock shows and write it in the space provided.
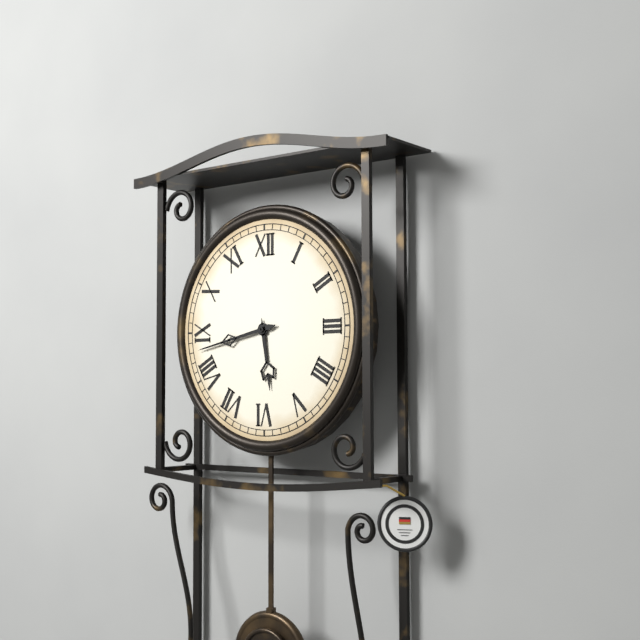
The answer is 5:43
